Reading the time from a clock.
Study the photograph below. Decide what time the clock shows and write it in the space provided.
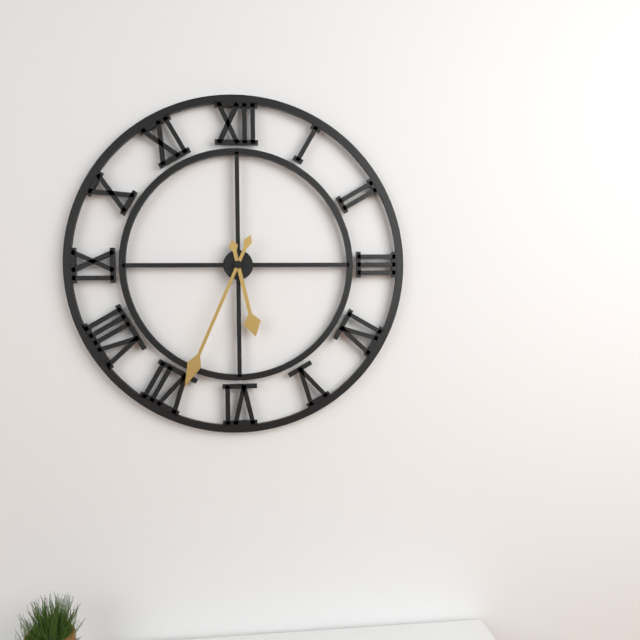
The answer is 5:34
